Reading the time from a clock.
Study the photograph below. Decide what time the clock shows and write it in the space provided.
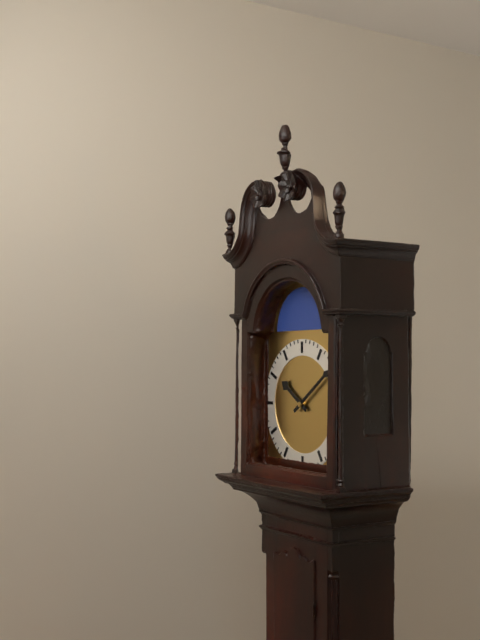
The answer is 10:09
